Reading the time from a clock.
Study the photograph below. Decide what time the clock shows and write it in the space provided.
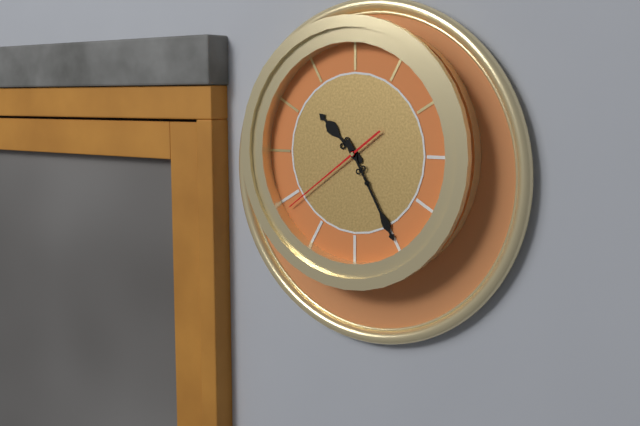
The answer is 10:25:39
